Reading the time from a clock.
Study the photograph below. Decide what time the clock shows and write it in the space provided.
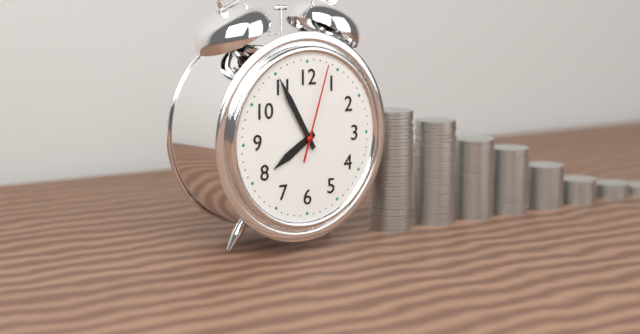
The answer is 7:55:03
